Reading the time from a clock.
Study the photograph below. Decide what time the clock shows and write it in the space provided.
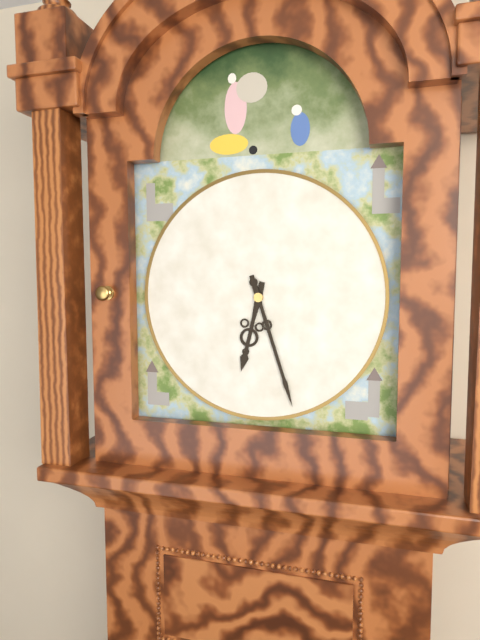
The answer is 6:27
